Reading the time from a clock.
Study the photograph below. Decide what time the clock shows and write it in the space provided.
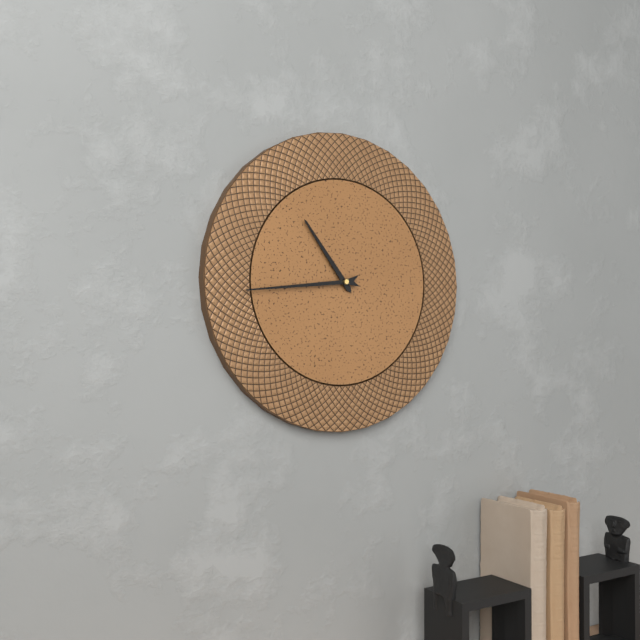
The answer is 10:44
